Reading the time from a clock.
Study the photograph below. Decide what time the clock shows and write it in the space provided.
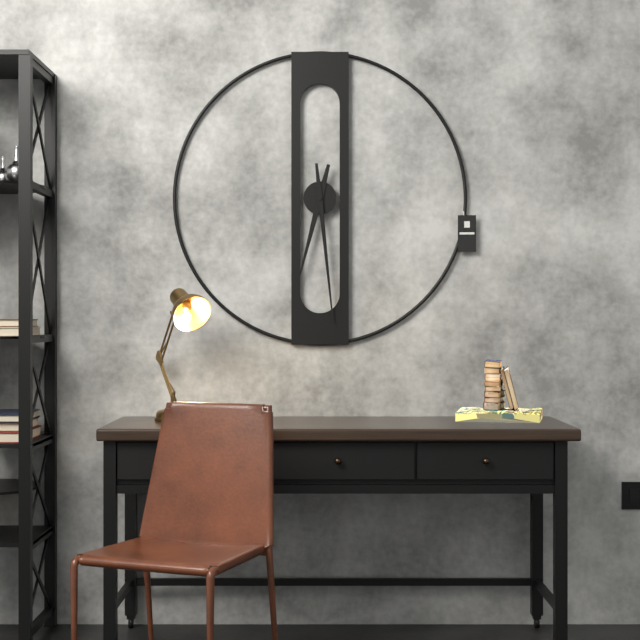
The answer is 6:29
